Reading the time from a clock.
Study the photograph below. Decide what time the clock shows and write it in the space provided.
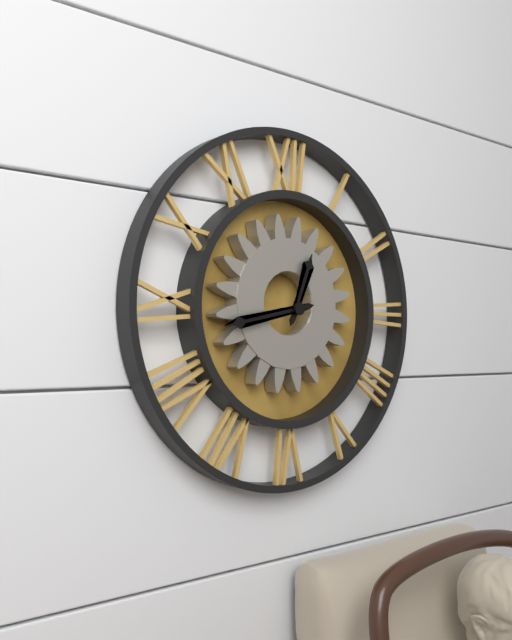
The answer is 12:43
